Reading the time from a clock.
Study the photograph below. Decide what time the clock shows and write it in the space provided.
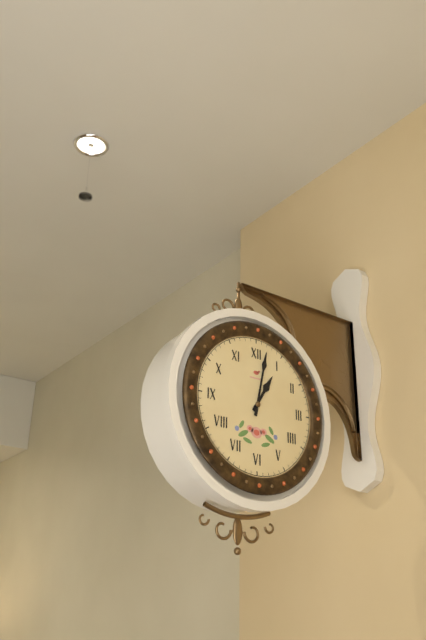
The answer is 1:02
